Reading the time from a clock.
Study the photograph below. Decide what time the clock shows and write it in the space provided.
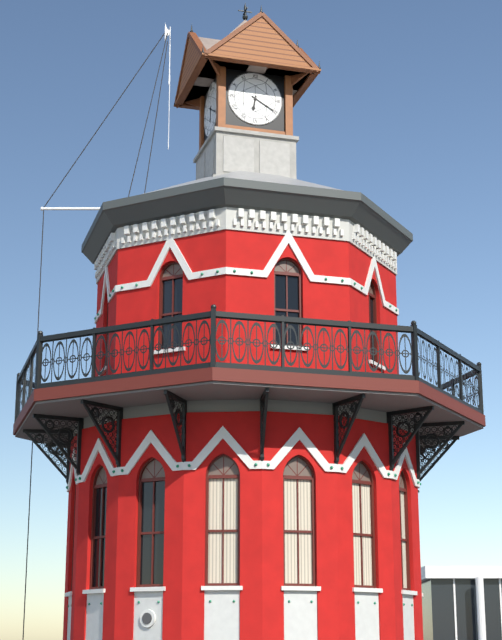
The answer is 6:20
